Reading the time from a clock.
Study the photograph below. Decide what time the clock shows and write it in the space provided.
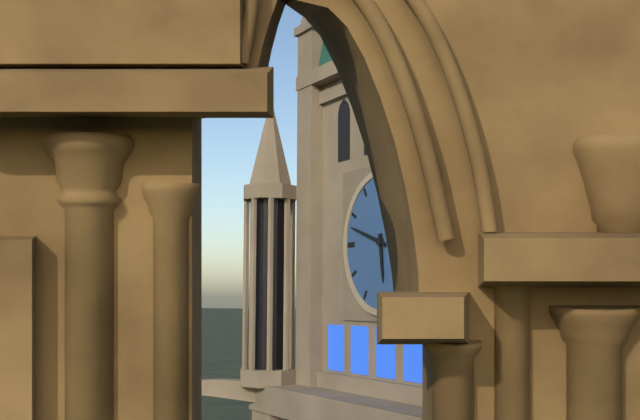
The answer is 5:48
